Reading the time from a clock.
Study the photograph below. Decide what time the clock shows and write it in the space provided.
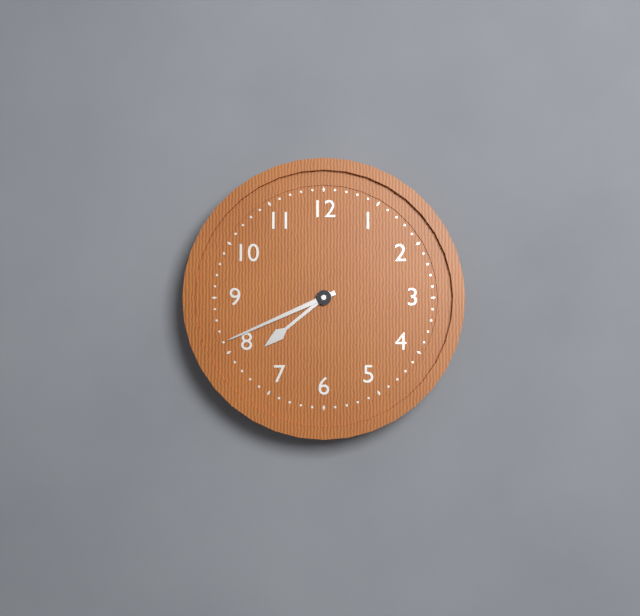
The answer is 7:41
